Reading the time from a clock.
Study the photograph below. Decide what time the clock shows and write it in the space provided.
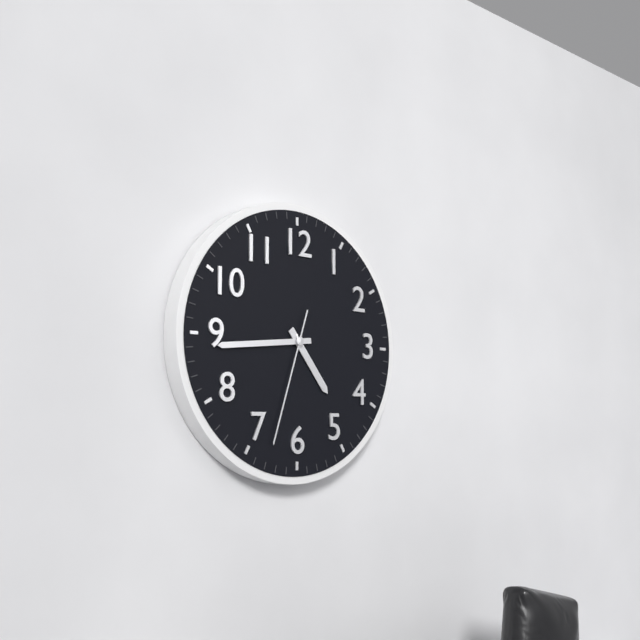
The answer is 4:44:33
